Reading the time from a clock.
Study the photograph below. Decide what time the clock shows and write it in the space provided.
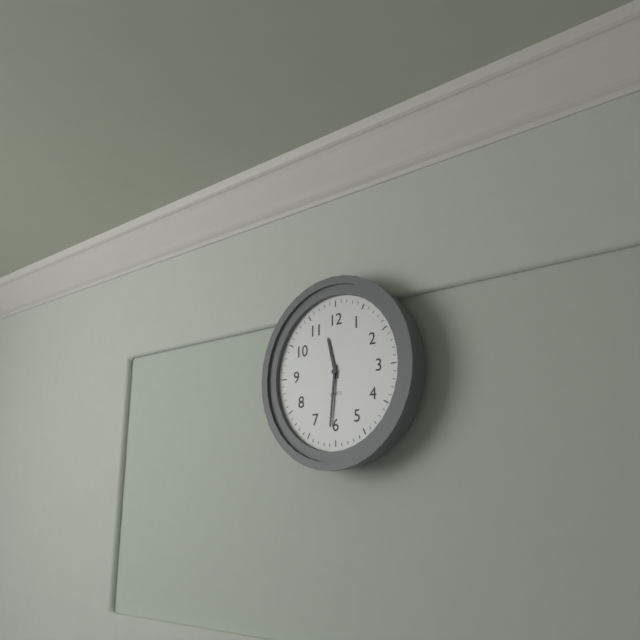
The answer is 11:31
